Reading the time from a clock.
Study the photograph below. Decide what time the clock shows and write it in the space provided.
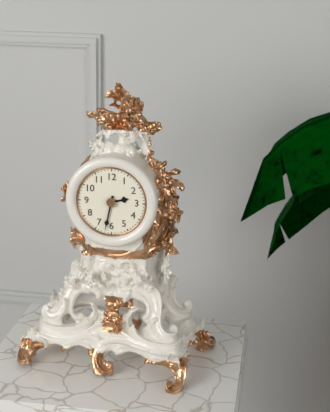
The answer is 2:32
